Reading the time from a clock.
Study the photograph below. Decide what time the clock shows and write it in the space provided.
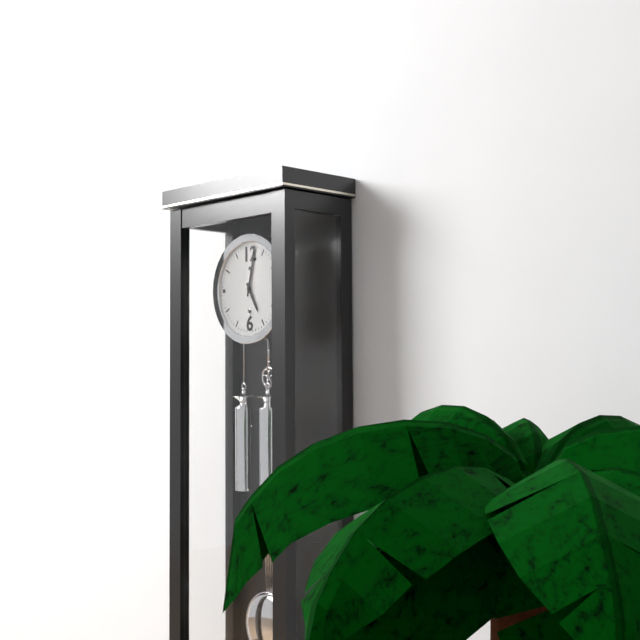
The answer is 5:02
